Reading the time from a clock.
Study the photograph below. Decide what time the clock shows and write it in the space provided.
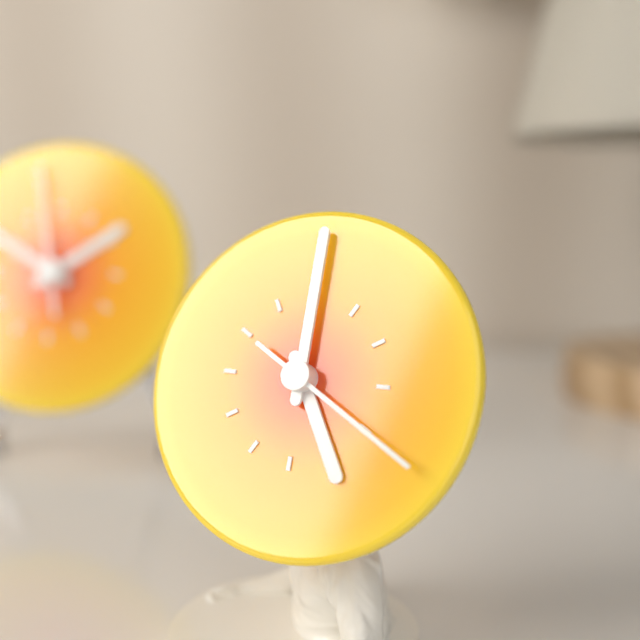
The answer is 5:00:20
